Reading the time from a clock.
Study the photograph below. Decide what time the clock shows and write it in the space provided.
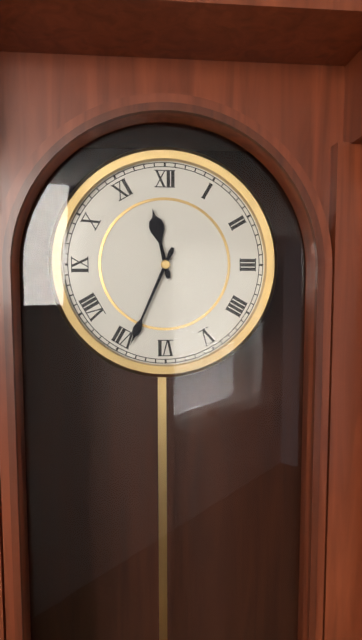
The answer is 11:34
